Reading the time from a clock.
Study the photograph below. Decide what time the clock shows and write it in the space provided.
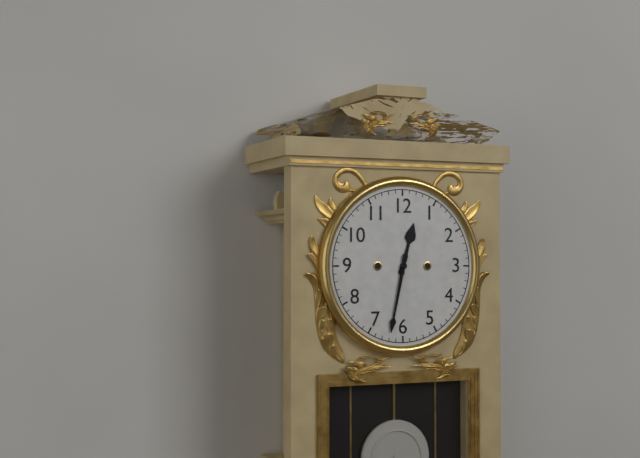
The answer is 12:32
